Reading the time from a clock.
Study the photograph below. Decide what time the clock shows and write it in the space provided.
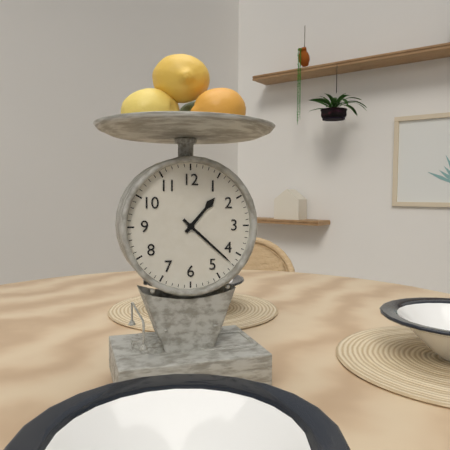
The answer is 1:22
